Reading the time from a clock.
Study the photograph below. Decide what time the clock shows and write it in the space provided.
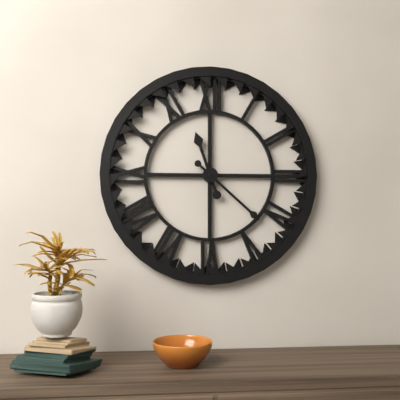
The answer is 11:22
